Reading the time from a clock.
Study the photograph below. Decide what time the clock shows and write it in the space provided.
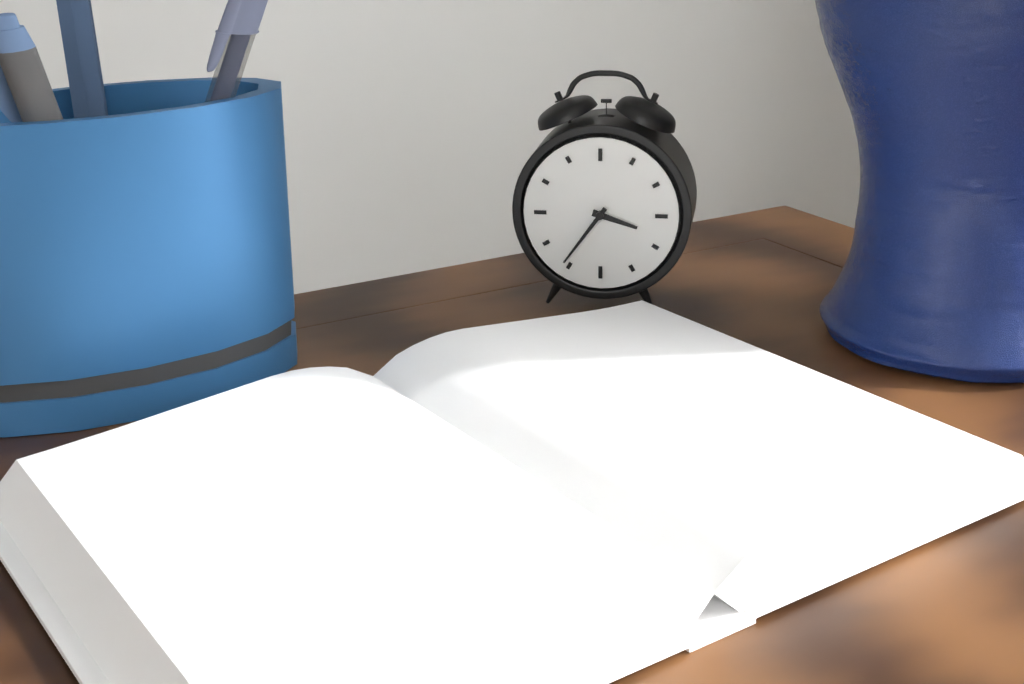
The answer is 3:36
